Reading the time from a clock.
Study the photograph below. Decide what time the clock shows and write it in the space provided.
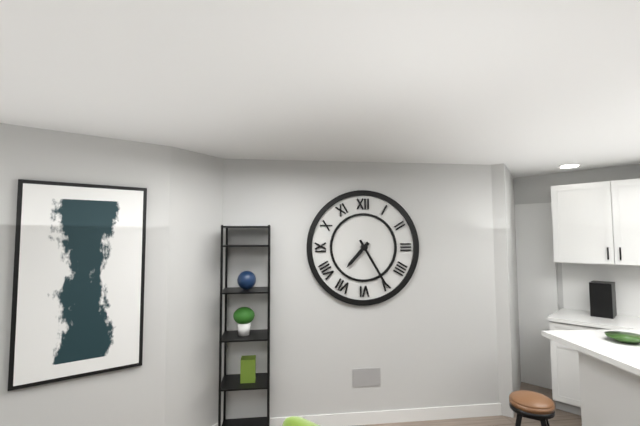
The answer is 7:25
